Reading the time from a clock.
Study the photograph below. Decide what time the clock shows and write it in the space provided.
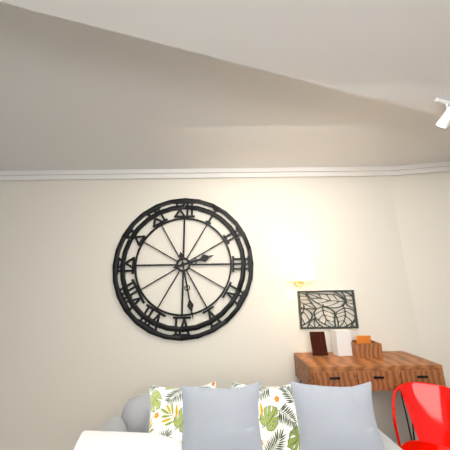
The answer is 2:28
